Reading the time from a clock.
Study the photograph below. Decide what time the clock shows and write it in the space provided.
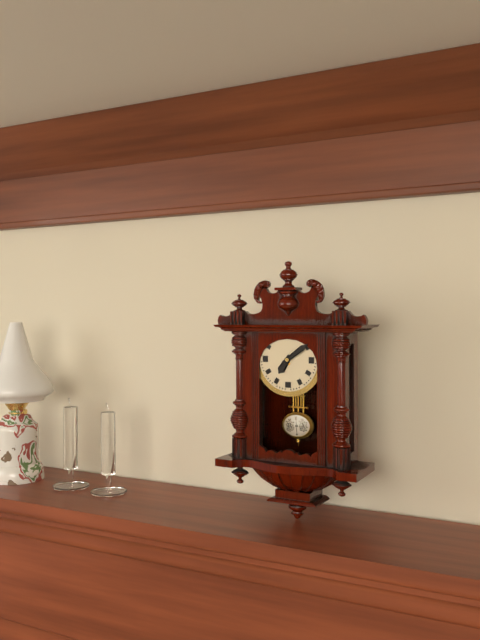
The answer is 7:09
